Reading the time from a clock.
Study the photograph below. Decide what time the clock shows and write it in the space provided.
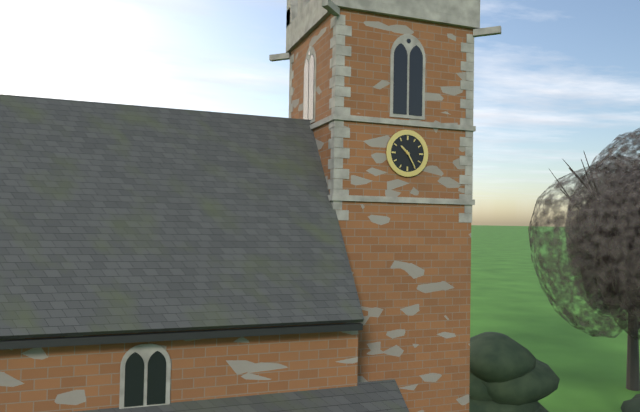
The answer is 10:25
